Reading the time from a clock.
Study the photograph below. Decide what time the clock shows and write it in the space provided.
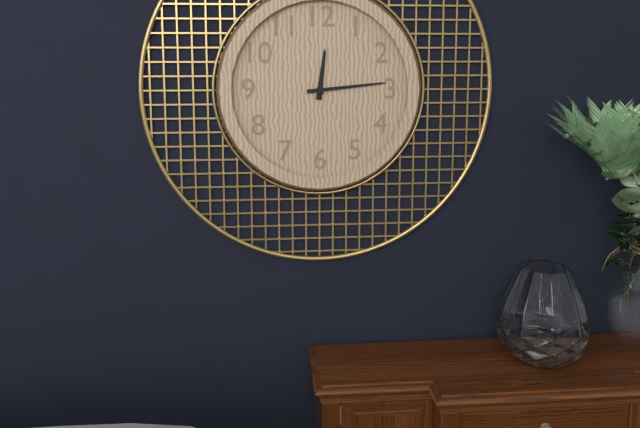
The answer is 12:14
